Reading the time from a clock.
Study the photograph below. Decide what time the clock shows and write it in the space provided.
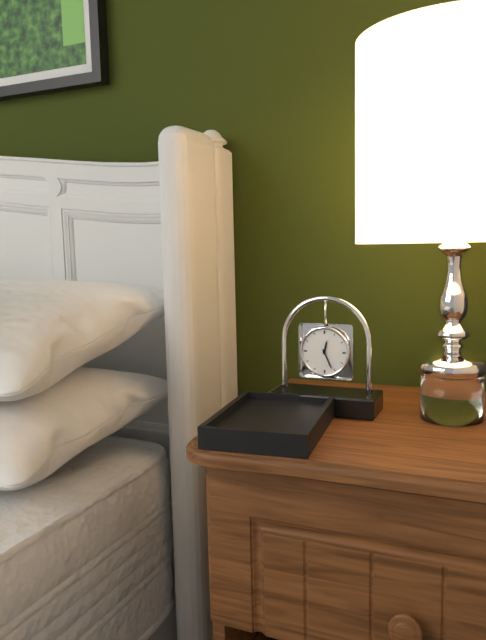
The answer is 12:26
